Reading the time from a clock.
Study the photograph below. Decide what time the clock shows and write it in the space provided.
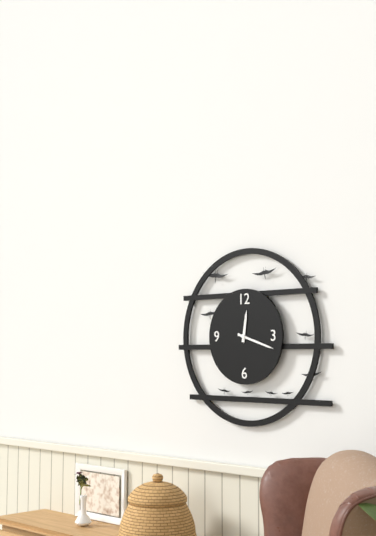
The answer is 12:18
